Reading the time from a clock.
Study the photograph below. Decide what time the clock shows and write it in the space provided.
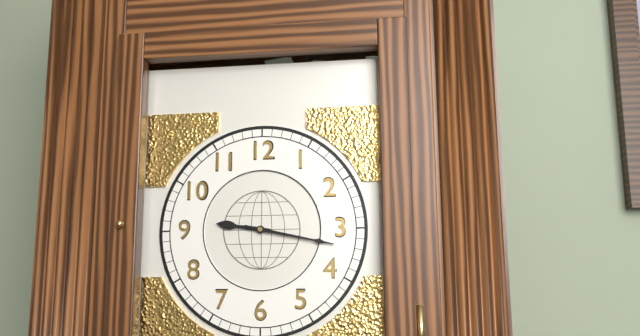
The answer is 9:17
